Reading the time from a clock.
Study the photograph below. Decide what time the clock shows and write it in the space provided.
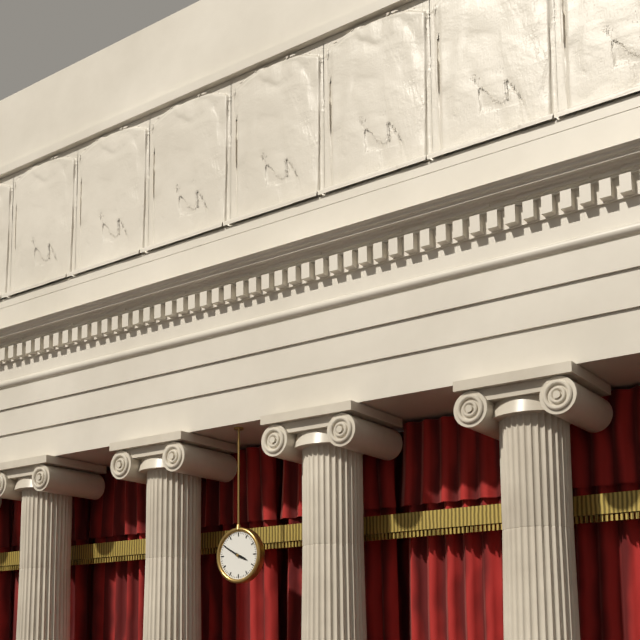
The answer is 3:50
